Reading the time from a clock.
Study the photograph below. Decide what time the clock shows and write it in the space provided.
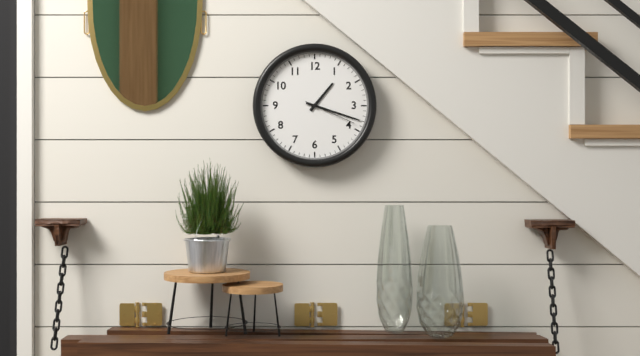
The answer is 1:18:19
